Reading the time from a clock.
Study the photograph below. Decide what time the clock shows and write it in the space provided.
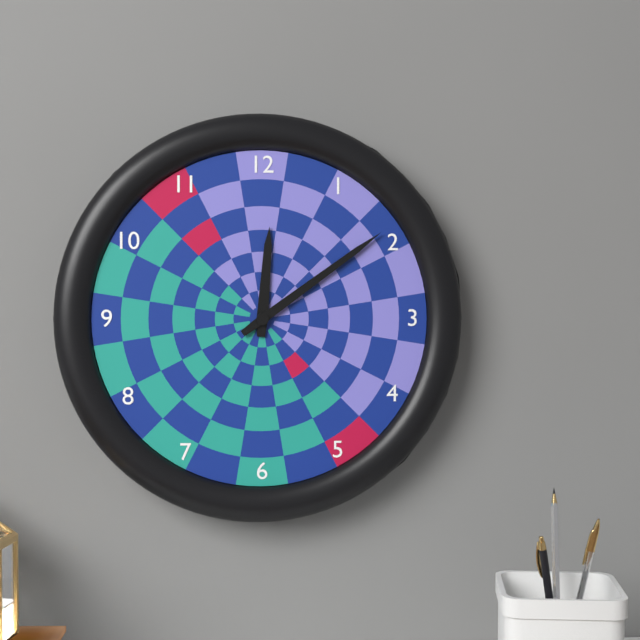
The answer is 12:09
